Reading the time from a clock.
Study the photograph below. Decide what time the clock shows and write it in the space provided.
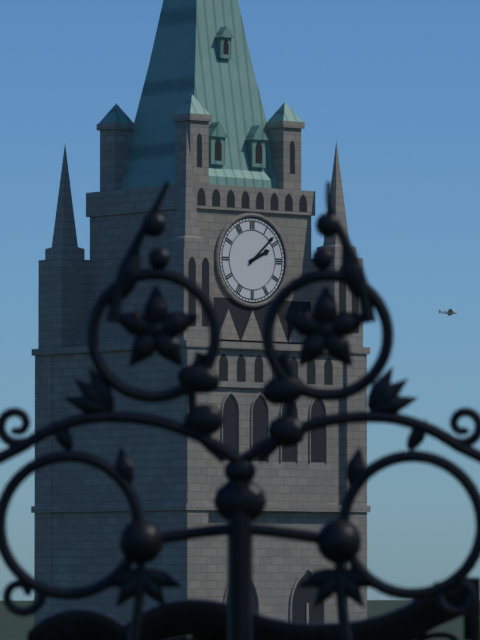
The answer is 2:08
